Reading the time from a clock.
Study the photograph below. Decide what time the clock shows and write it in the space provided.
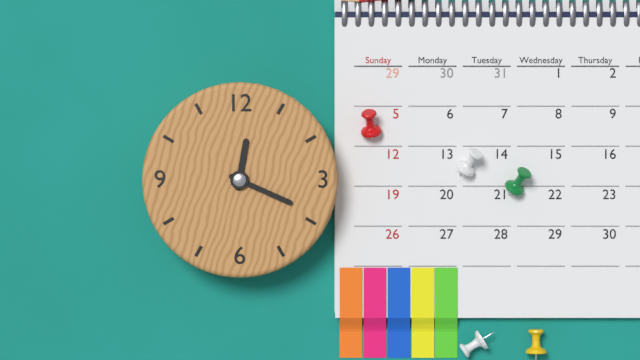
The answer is 12:19
